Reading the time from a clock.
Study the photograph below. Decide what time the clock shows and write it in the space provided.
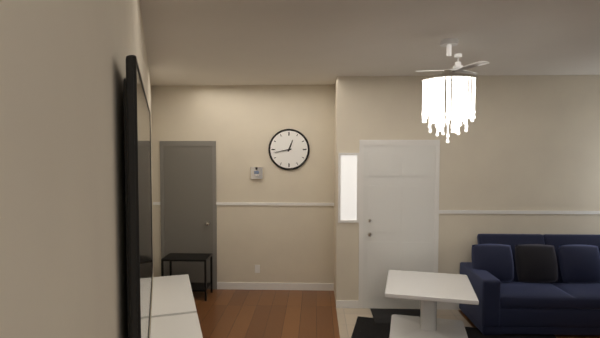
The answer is 12:43
